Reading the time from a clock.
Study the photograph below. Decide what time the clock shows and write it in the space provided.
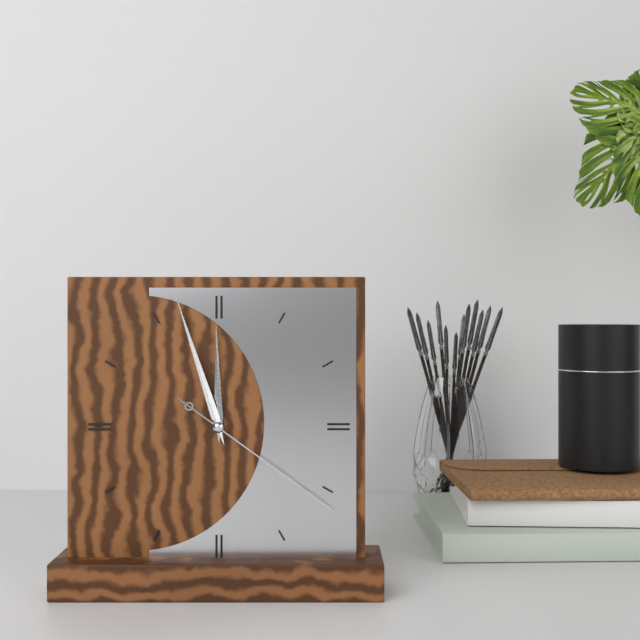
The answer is 11:57:21
